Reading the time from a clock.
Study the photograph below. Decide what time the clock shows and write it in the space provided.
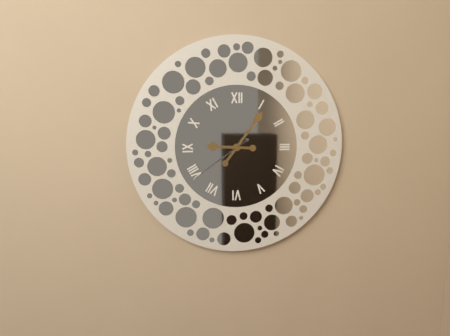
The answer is 9:06:39
